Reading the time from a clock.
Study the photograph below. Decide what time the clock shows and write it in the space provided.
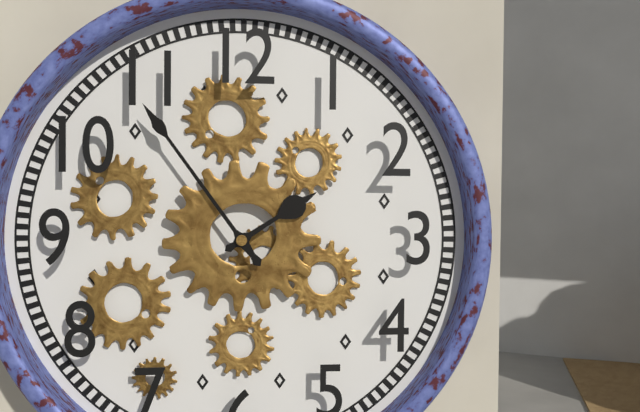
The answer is 1:54
